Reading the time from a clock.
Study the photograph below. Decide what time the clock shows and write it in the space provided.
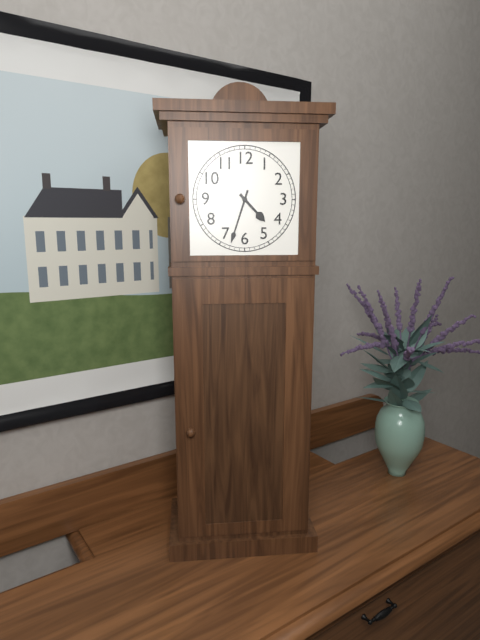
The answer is 4:33
